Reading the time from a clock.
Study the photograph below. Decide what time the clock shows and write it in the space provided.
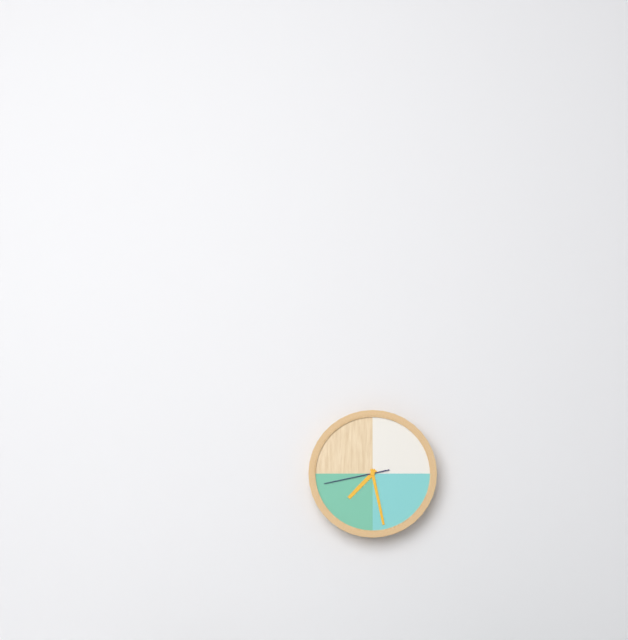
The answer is 7:28:43
